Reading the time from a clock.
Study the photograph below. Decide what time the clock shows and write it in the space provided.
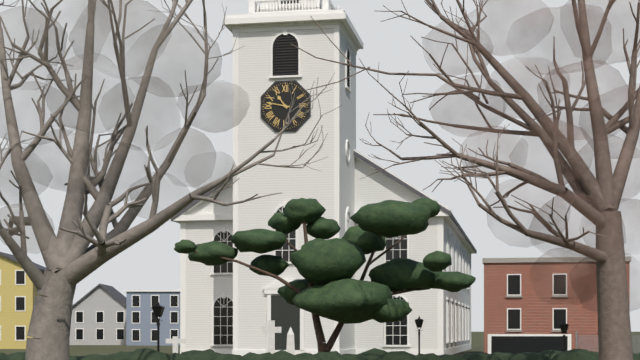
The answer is 10:47
